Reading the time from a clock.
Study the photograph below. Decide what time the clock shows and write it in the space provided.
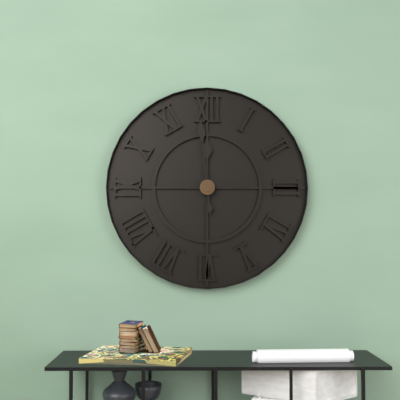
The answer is 11:59
